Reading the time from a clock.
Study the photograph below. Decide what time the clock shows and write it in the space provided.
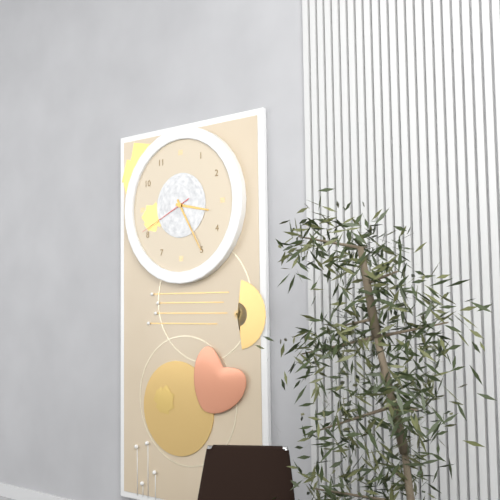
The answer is 3:25:41
